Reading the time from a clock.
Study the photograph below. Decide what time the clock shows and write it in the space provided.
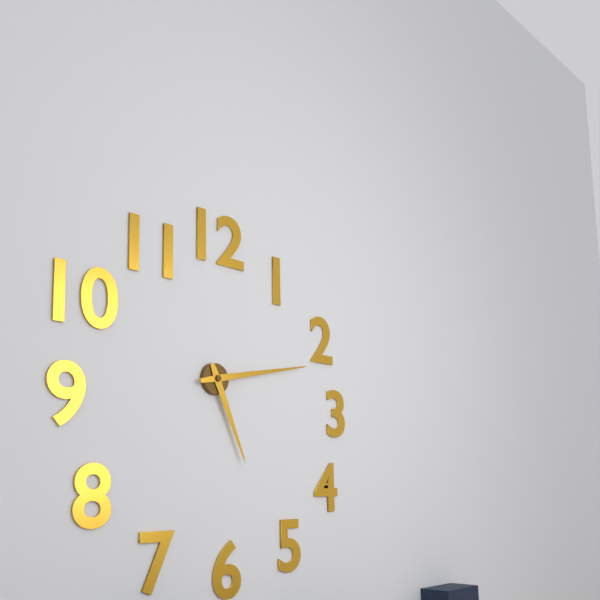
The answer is 5:13
